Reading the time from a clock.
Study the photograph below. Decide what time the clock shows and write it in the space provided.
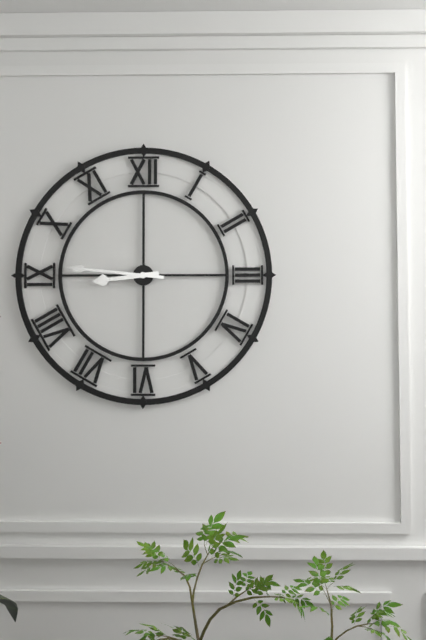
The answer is 8:46
